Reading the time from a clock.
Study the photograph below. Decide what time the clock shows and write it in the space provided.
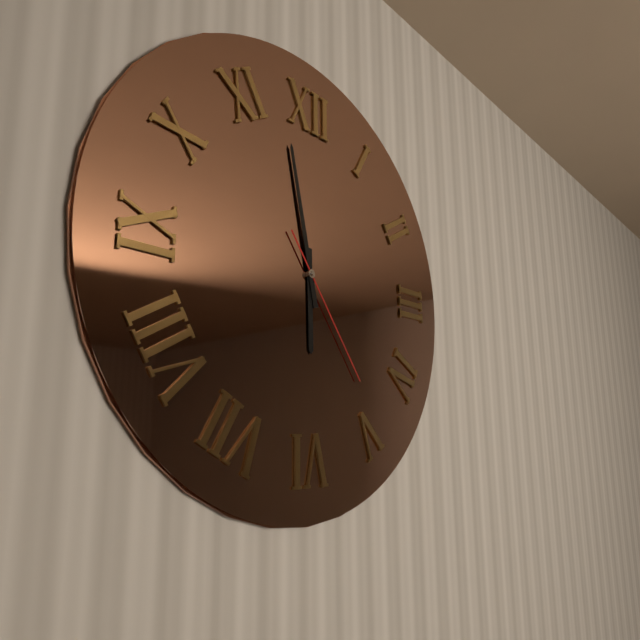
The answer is 5:58:24
